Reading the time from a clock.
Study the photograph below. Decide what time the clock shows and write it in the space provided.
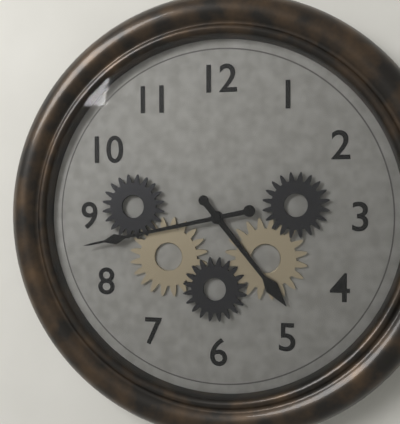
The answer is 4:43
